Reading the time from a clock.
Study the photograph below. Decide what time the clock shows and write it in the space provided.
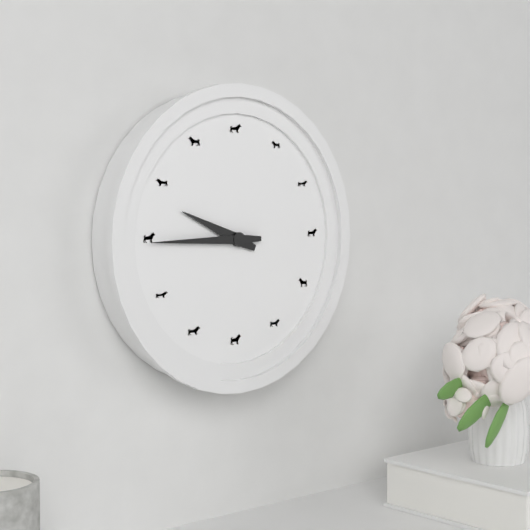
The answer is 9:45
